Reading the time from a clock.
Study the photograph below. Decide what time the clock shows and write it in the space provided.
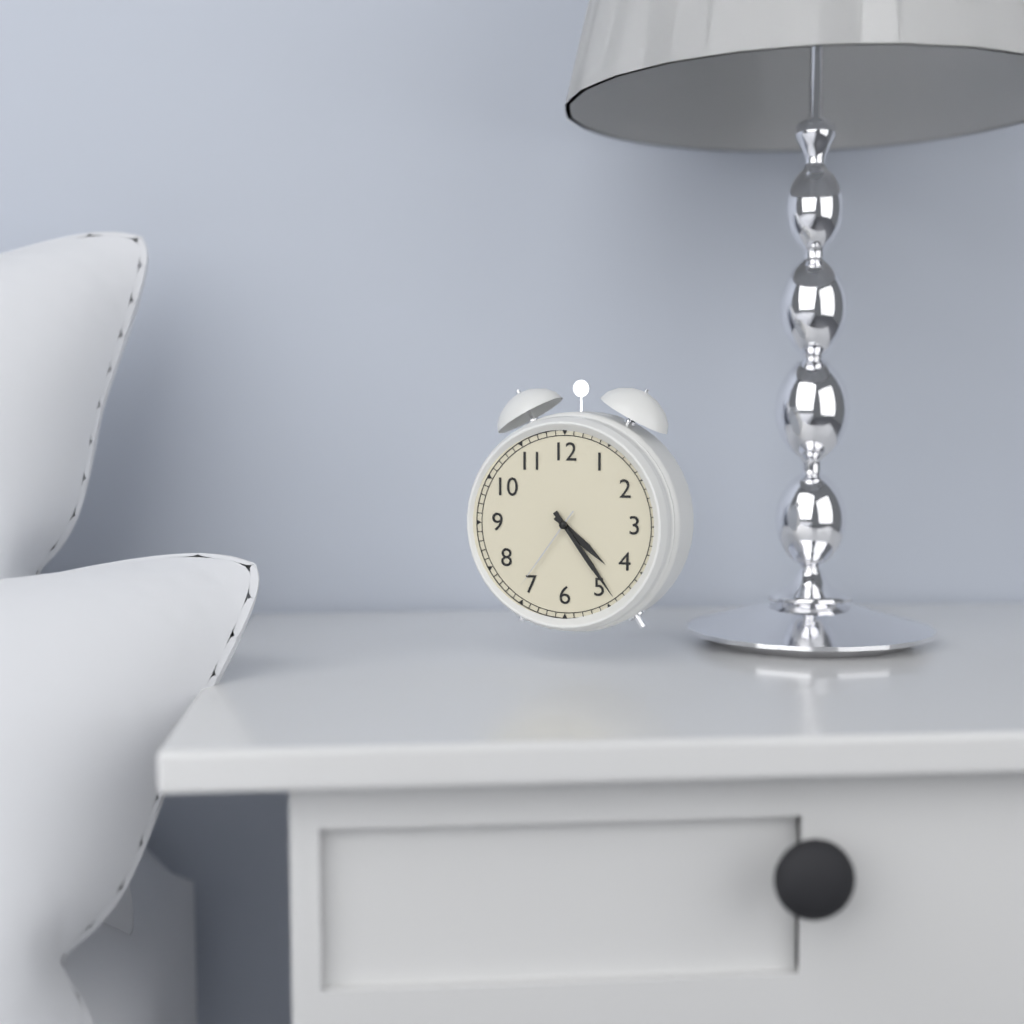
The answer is 4:24:36
